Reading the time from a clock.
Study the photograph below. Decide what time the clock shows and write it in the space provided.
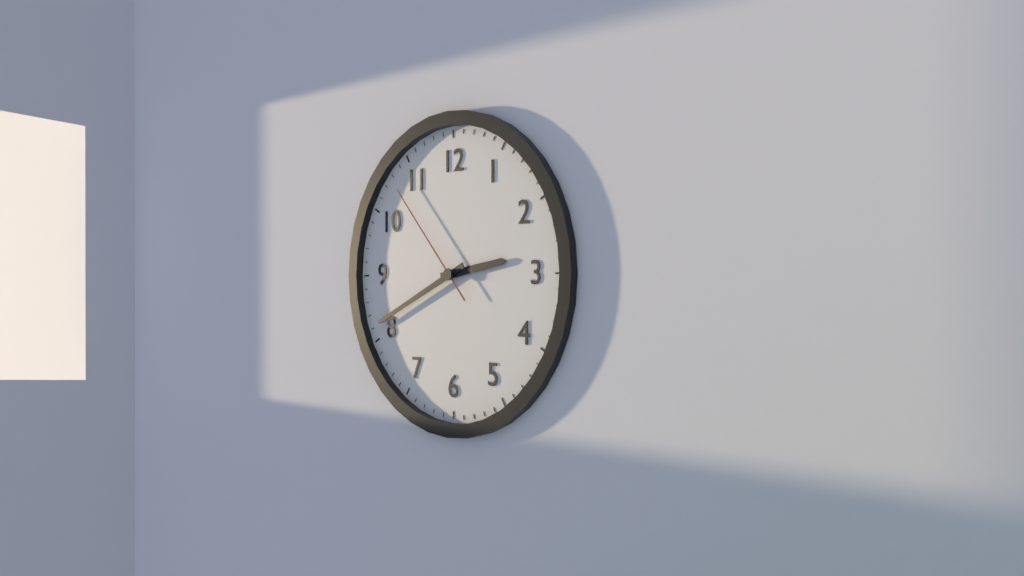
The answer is 2:41:53
